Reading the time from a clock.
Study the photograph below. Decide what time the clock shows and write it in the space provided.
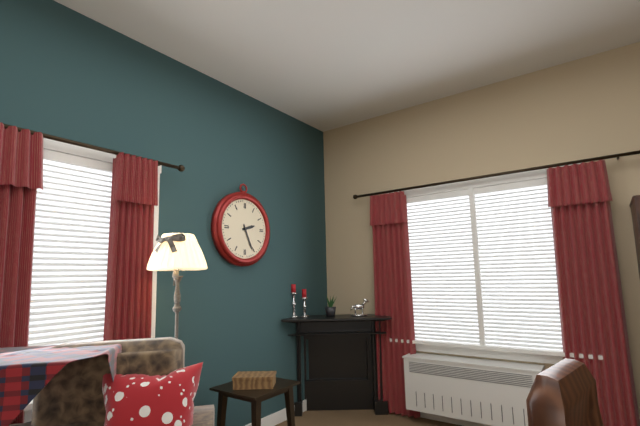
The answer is 2:26
